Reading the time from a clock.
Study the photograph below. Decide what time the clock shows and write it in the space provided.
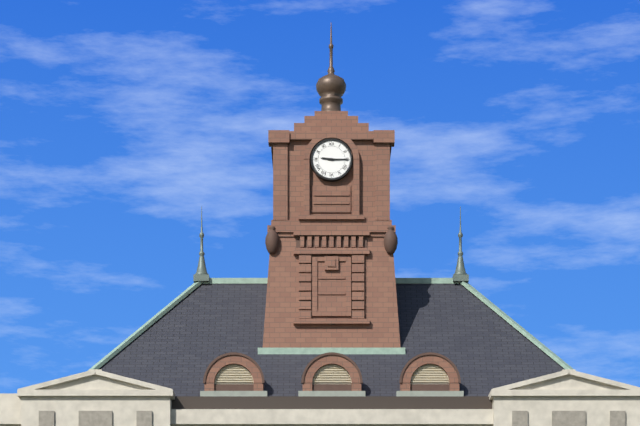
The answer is 9:15
